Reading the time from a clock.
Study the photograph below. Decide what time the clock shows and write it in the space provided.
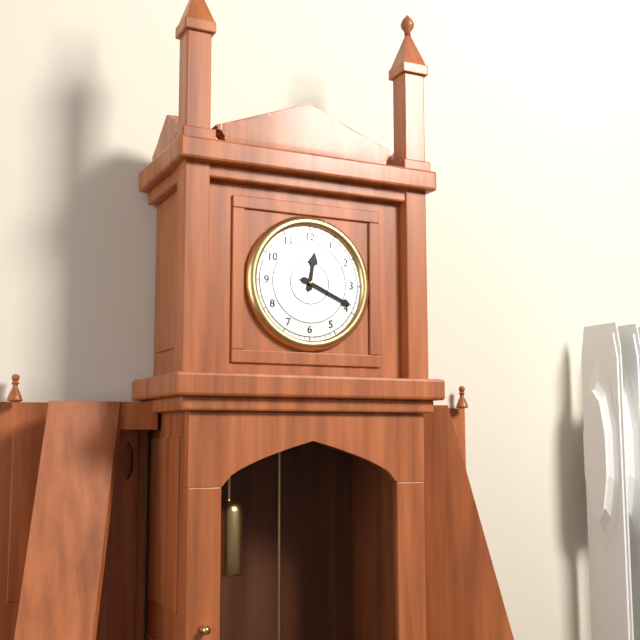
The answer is 12:19
